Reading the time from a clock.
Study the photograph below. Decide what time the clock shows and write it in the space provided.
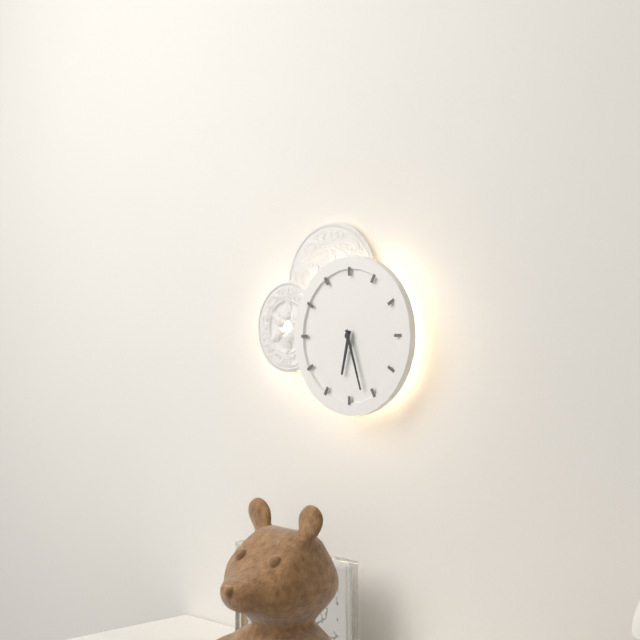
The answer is 6:27
